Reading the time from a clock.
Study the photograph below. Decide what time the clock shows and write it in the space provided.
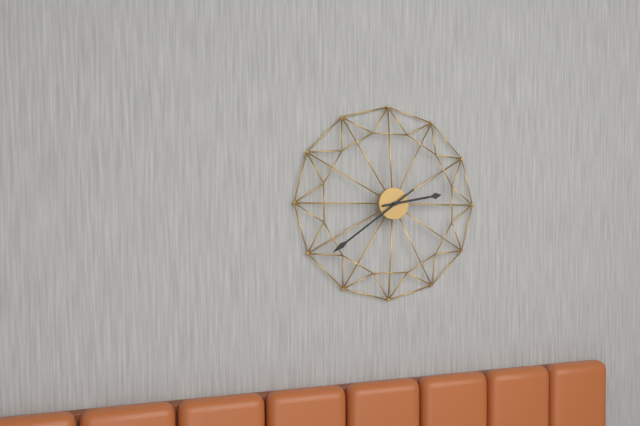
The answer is 2:39
